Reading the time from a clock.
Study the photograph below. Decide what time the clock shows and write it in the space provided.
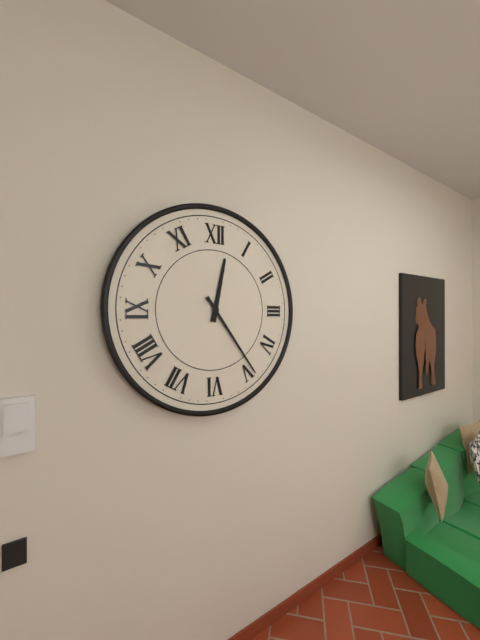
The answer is 12:24
